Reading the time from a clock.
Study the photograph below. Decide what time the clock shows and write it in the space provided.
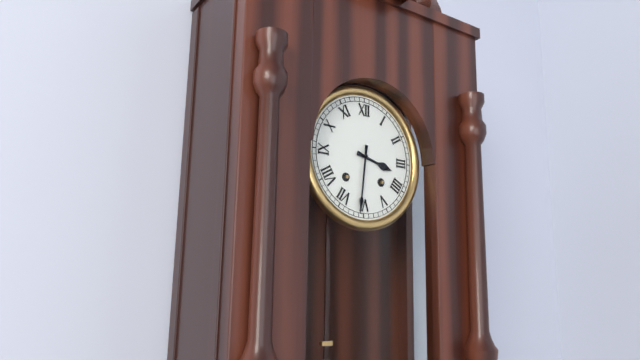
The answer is 3:31
